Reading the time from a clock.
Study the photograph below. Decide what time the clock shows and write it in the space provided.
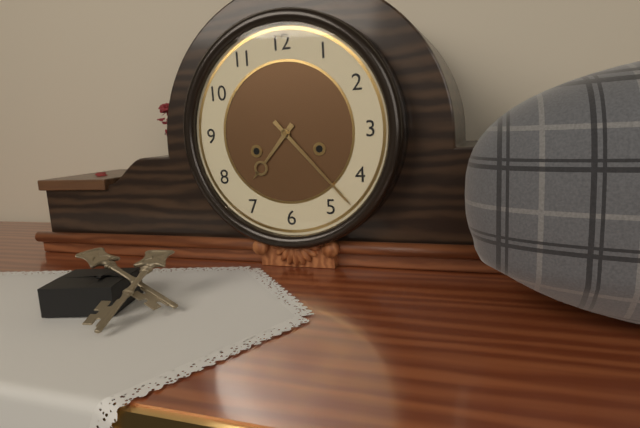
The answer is 7:23
